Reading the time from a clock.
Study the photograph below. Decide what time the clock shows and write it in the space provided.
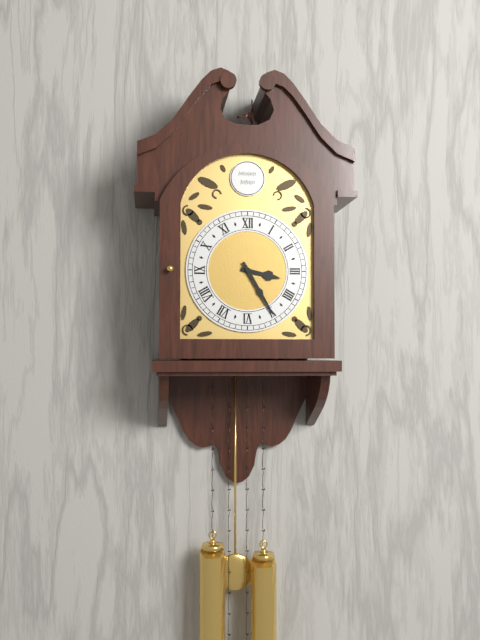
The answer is 3:25
